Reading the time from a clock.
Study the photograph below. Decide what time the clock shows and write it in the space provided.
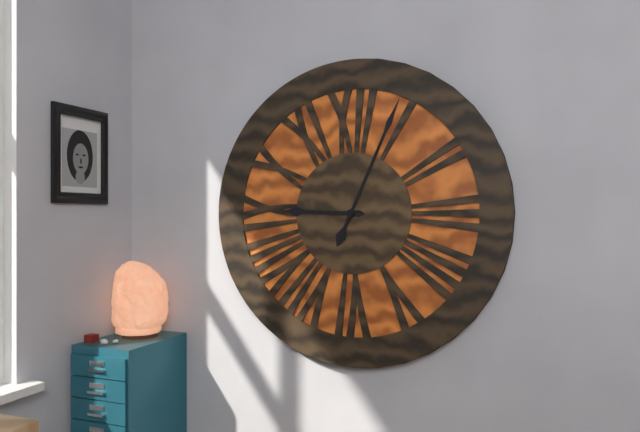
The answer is 9:04
